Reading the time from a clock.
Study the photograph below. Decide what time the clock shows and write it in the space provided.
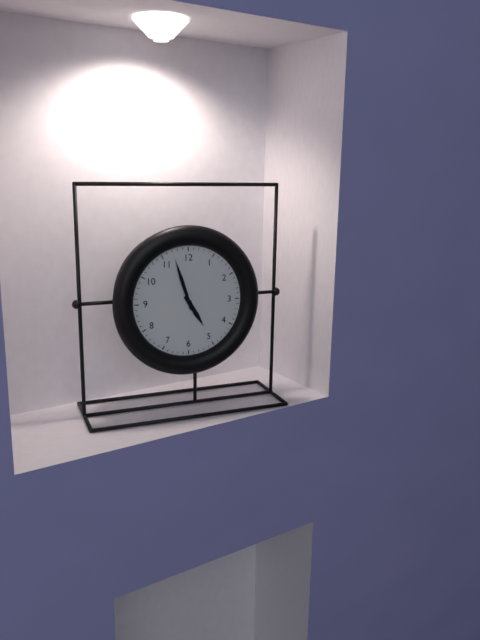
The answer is 4:57
